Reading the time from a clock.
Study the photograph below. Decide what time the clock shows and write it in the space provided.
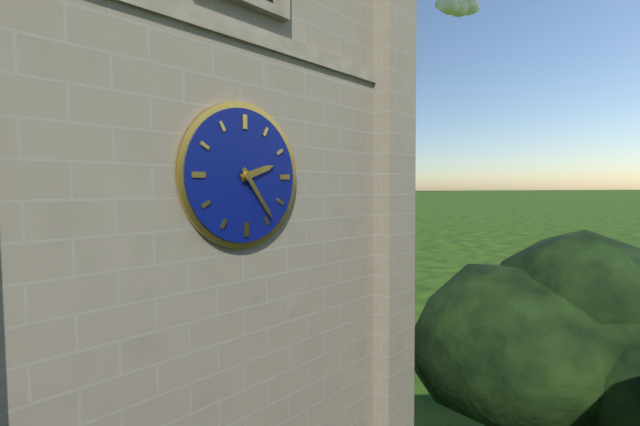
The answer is 2:24
